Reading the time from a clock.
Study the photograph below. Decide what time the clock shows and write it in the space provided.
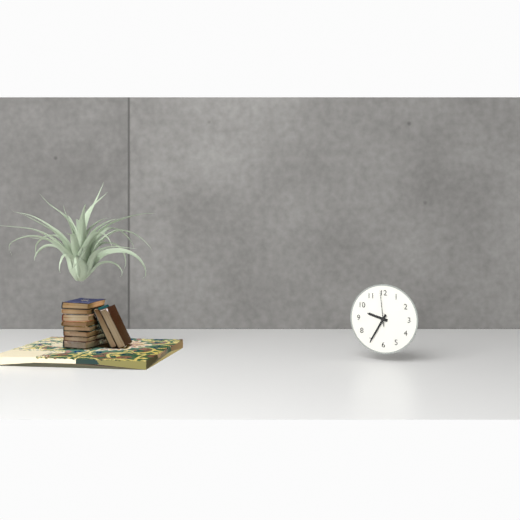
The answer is 9:35
